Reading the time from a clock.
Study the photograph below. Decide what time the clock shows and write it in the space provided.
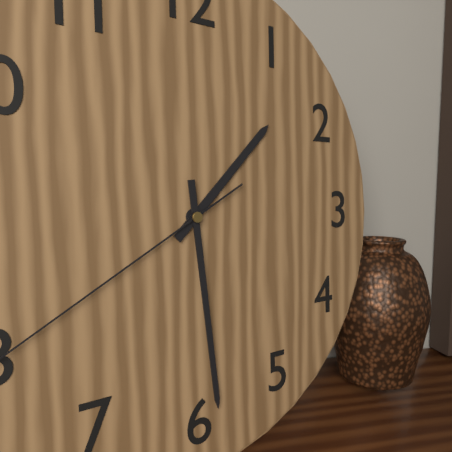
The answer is 1:29
